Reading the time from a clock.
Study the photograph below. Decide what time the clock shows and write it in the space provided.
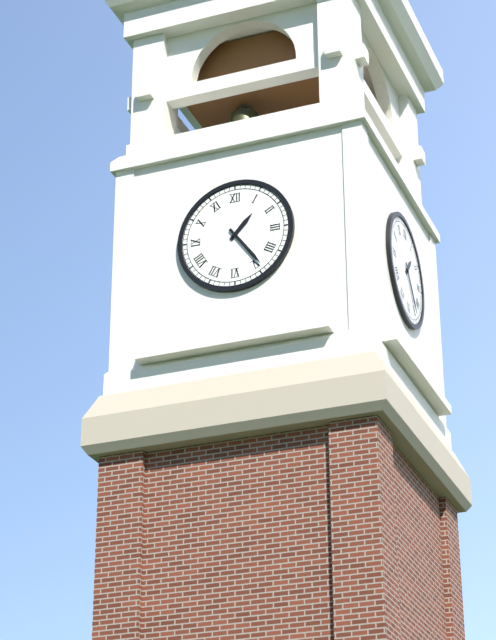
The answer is 1:24
